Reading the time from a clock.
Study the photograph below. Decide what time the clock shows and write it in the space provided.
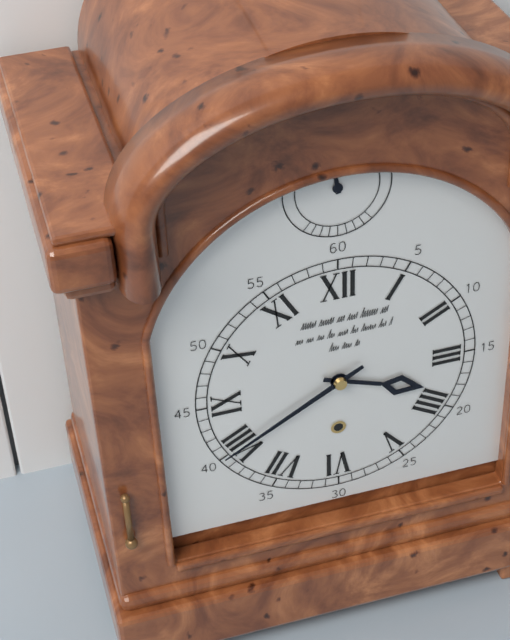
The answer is 3:40
